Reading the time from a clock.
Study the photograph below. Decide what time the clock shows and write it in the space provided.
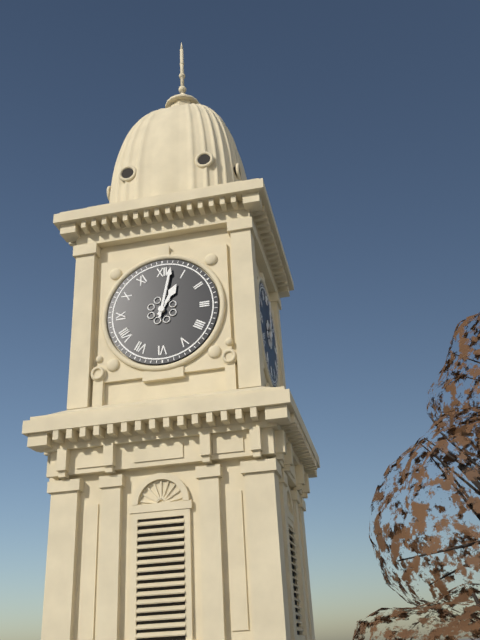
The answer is 1:02
